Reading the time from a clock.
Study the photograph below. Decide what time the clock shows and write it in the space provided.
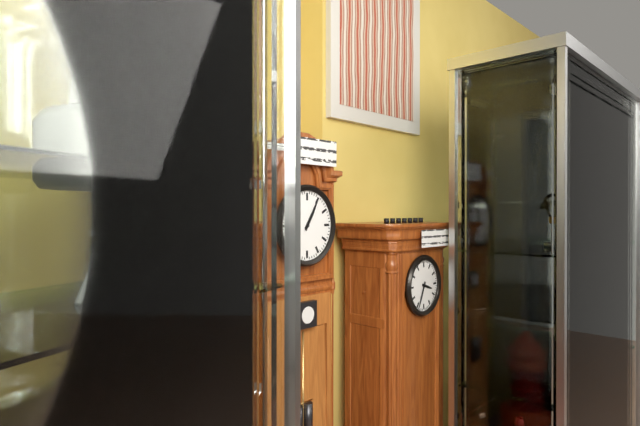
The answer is 1:05
